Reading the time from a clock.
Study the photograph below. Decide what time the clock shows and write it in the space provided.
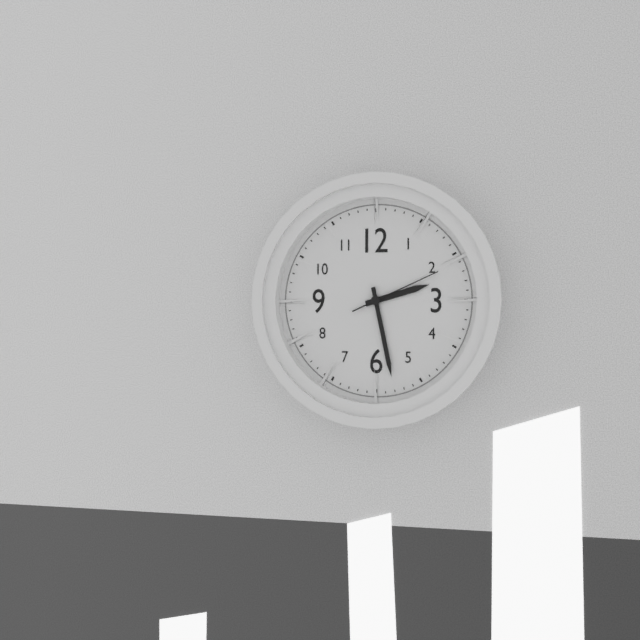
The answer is 2:28:11
